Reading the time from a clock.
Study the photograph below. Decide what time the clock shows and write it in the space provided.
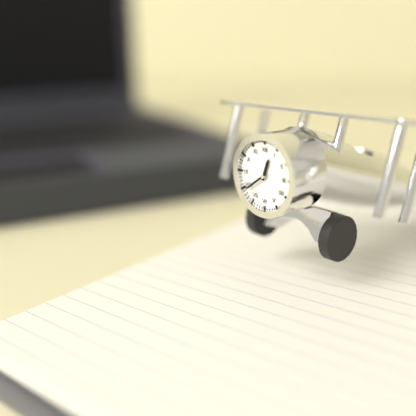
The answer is 12:39
